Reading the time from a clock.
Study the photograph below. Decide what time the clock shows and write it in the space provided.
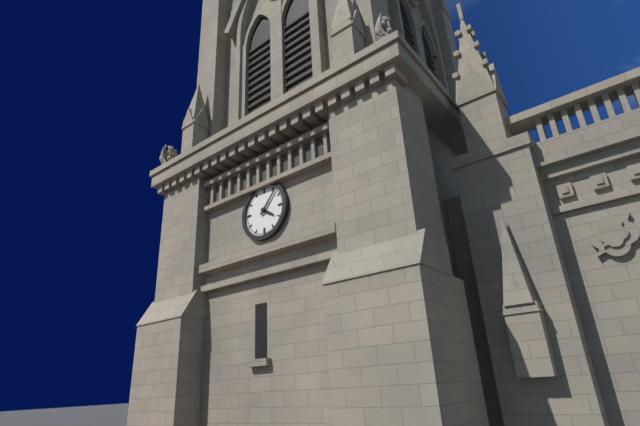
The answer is 4:07
